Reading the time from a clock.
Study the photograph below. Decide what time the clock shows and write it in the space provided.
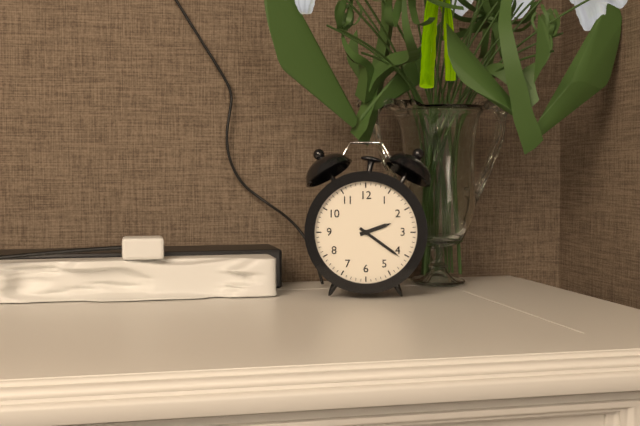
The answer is 2:21
